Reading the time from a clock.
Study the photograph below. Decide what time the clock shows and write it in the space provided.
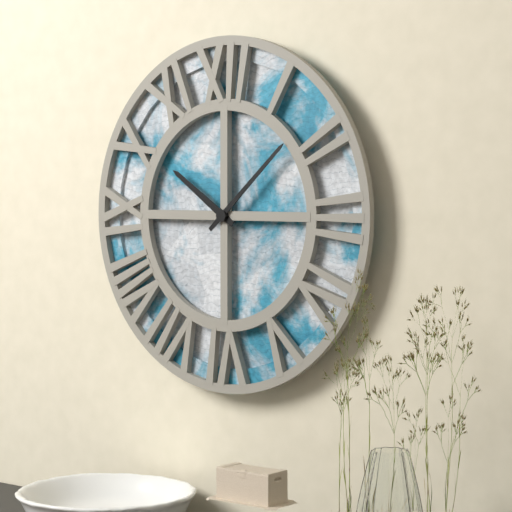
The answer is 10:08
